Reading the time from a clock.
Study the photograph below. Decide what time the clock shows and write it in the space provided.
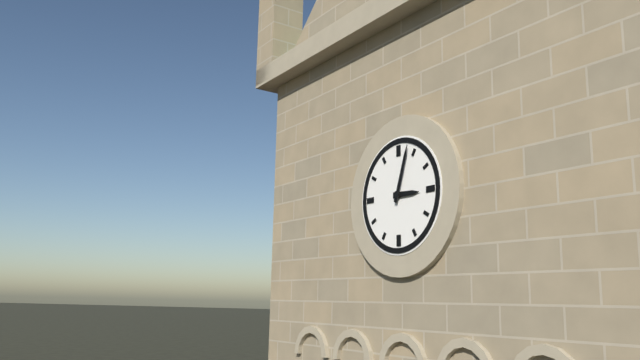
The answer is 3:03
